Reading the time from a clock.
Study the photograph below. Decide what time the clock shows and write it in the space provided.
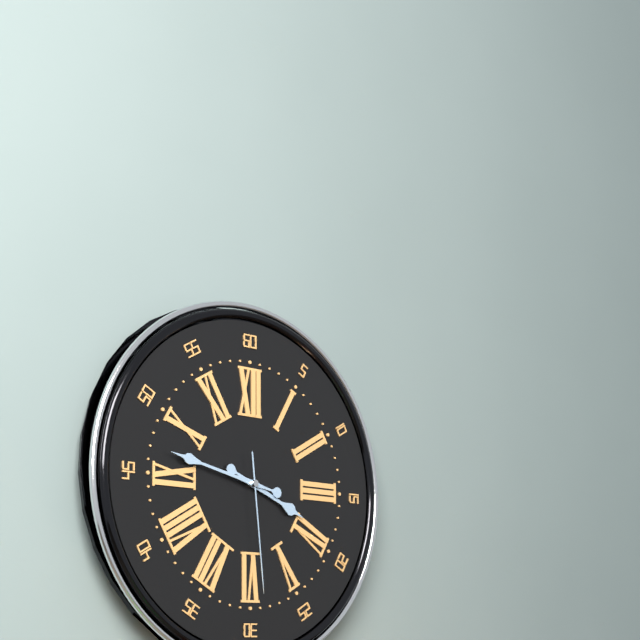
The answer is 3:47:29
